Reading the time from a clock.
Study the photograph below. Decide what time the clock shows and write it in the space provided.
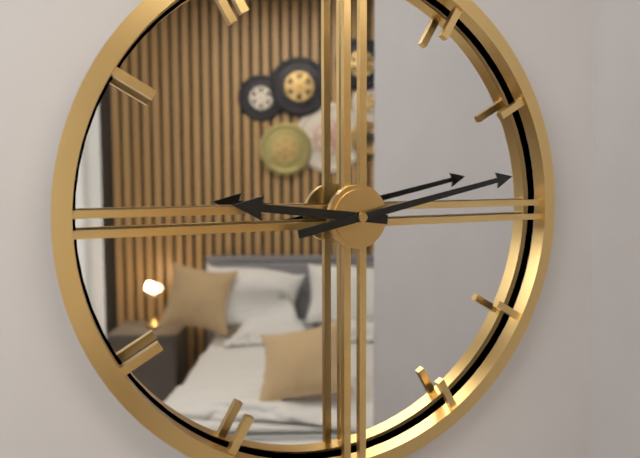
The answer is 9:13
